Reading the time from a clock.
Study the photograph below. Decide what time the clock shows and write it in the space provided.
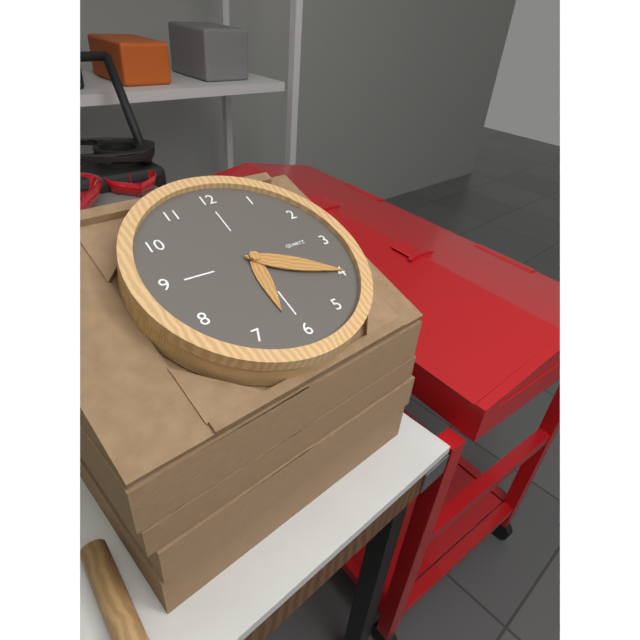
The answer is 6:20
